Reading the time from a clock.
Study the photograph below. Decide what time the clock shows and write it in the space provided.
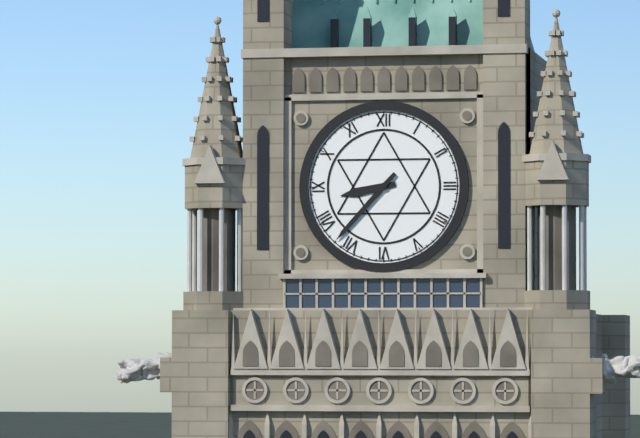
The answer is 8:37
